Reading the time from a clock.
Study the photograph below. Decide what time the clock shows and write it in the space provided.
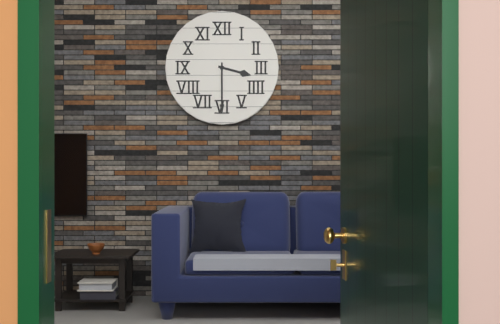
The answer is 3:30
